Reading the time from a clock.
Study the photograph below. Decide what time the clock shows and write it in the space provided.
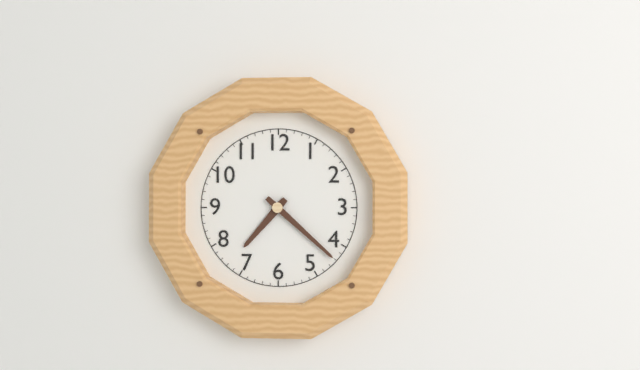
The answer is 7:22
